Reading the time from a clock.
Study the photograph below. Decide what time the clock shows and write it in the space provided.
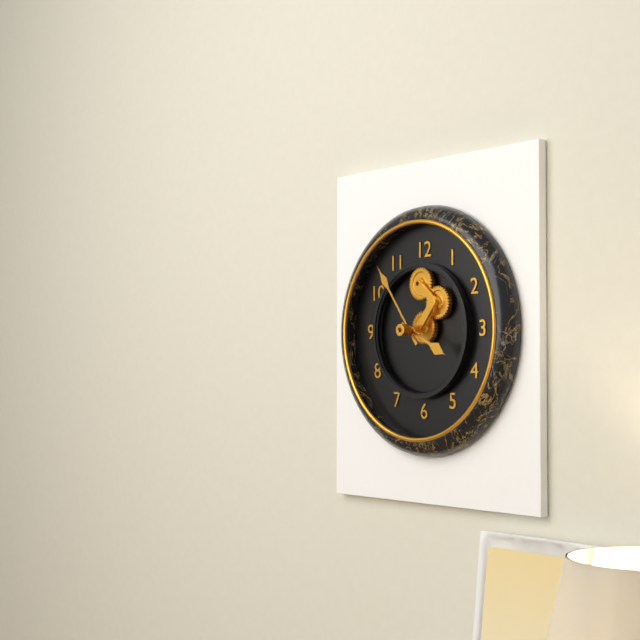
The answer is 3:54
